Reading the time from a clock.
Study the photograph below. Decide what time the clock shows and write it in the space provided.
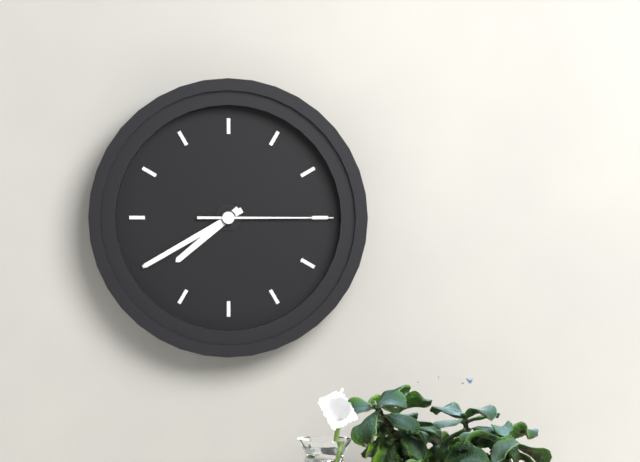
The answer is 7:40:15
